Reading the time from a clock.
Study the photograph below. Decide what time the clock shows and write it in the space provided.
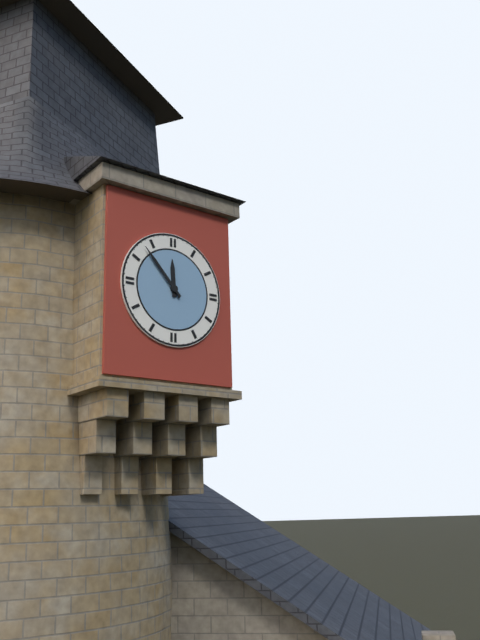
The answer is 11:53
